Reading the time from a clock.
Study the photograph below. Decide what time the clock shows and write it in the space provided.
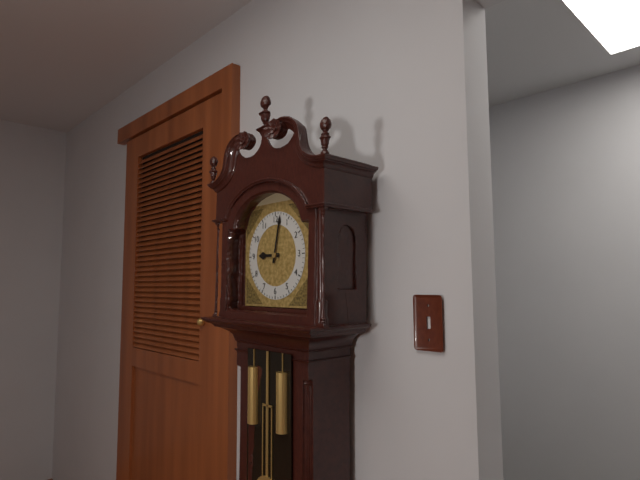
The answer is 9:02
